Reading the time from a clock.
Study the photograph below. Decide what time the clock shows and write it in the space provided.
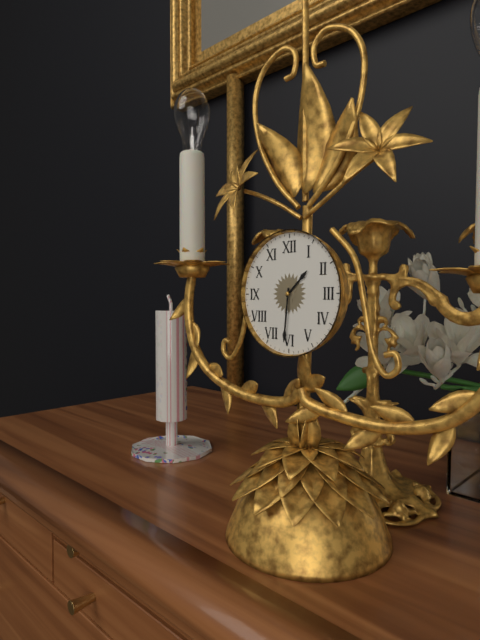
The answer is 1:31
